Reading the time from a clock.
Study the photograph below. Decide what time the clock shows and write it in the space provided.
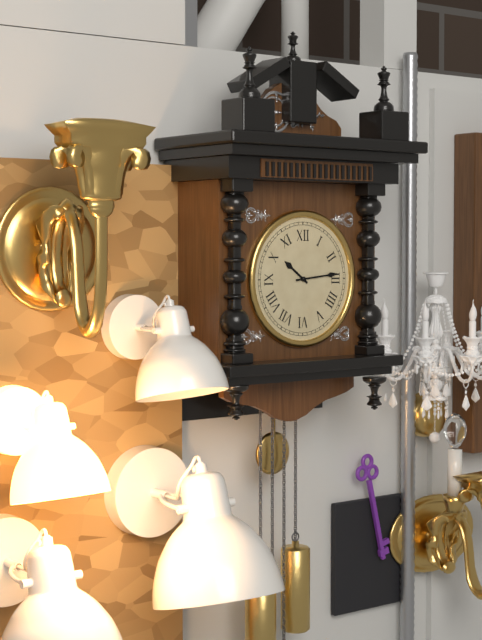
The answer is 10:14
